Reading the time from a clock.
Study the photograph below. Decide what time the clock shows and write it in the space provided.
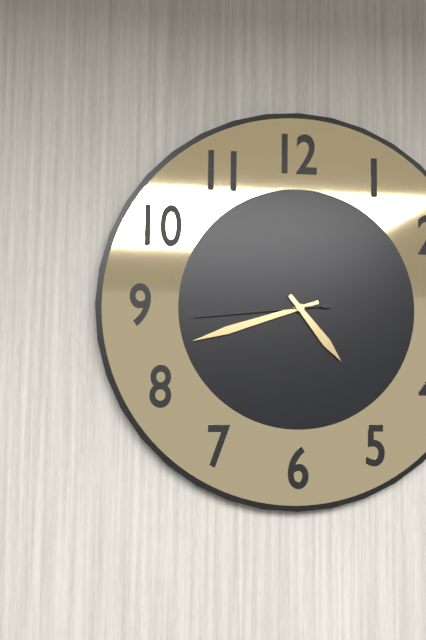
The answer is 4:42:44
